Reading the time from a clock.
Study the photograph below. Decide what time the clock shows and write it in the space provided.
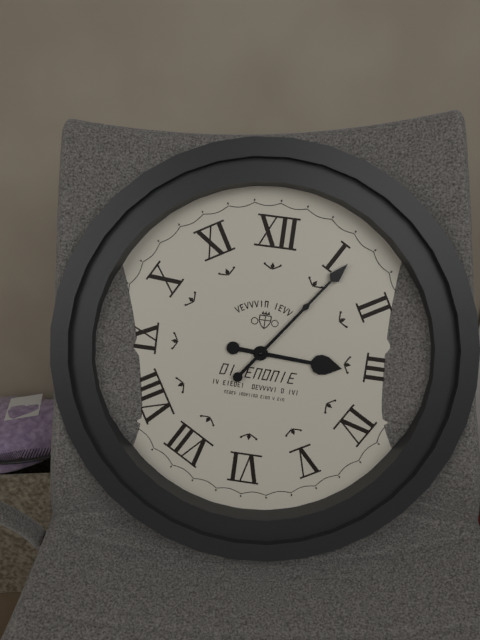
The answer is 3:06
